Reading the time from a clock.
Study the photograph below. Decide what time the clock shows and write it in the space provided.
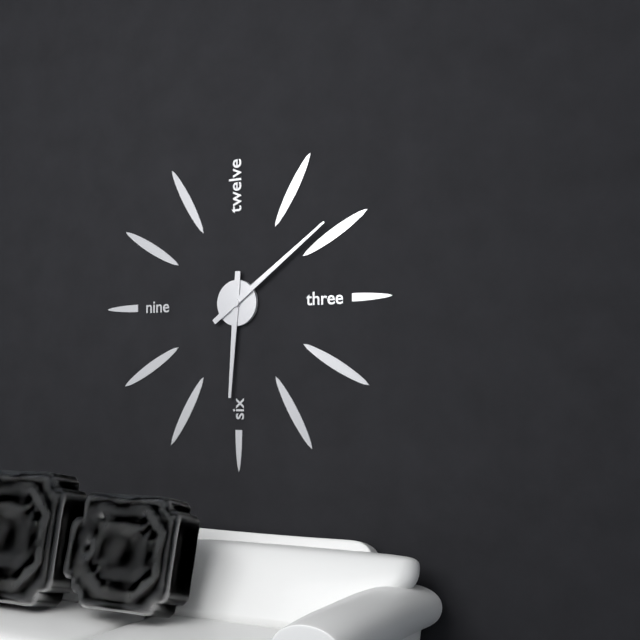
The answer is 6:09
